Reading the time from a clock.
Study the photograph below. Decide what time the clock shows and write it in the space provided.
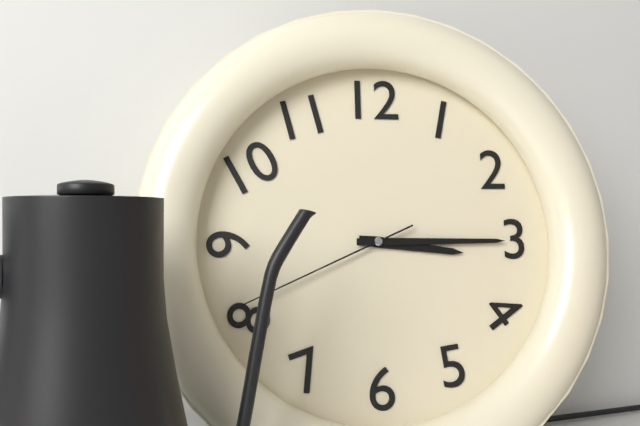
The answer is 3:15:41
